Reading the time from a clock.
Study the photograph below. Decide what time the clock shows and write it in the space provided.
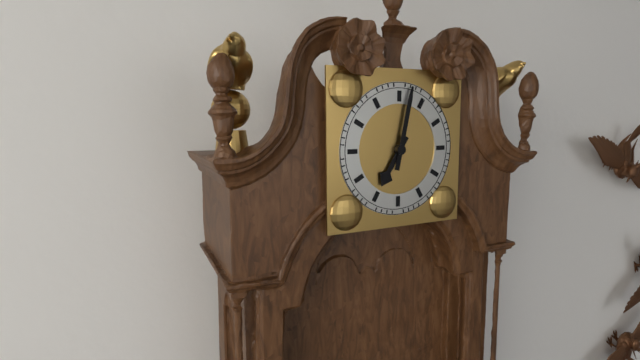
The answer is 7:02
